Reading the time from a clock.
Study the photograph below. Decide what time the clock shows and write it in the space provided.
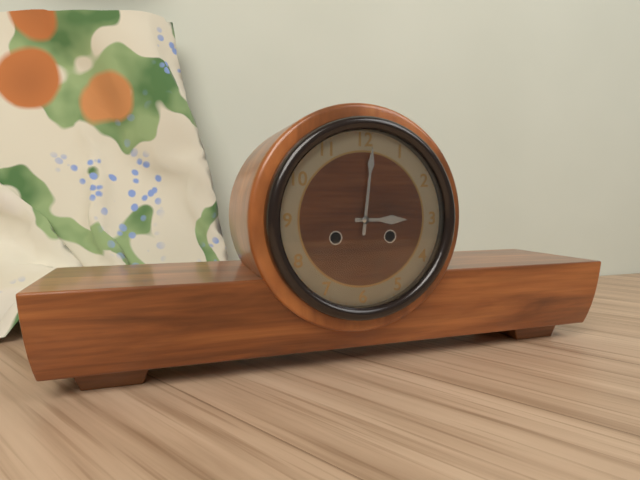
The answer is 3:01
